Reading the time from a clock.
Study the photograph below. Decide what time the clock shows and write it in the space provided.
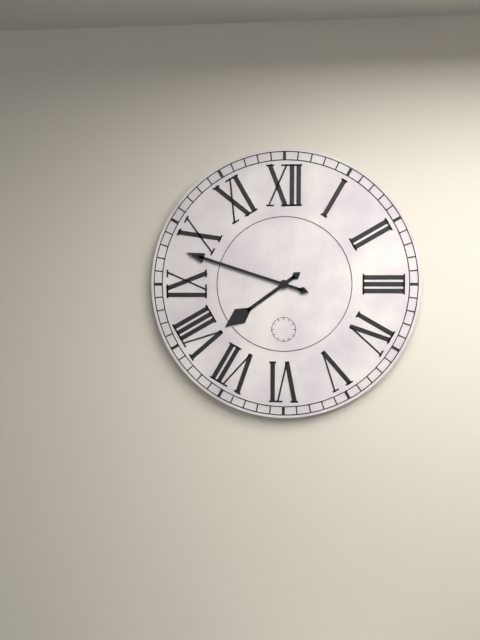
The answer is 7:48
